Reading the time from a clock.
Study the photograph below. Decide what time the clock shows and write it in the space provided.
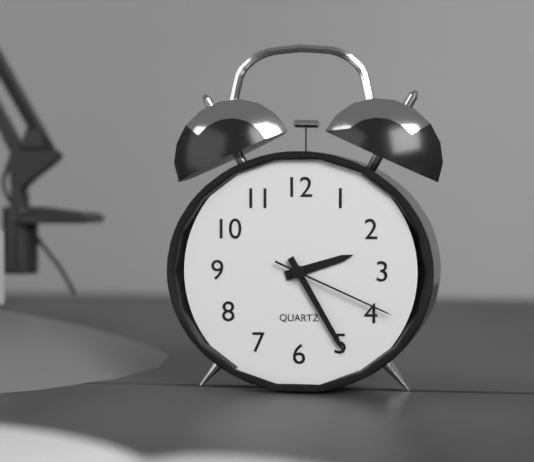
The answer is 2:25:19
